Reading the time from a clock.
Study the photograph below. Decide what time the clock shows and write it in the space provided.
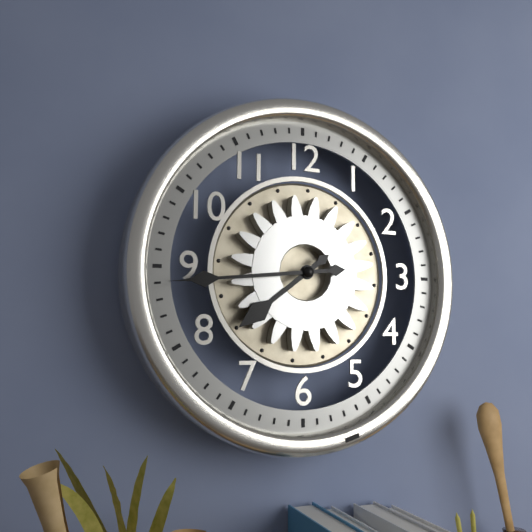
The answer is 7:44
